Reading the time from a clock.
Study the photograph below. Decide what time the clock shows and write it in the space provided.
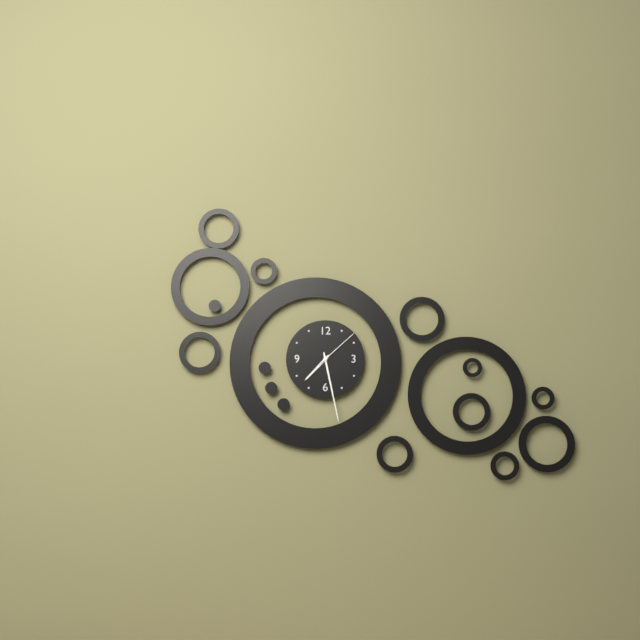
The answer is 7:28:08
